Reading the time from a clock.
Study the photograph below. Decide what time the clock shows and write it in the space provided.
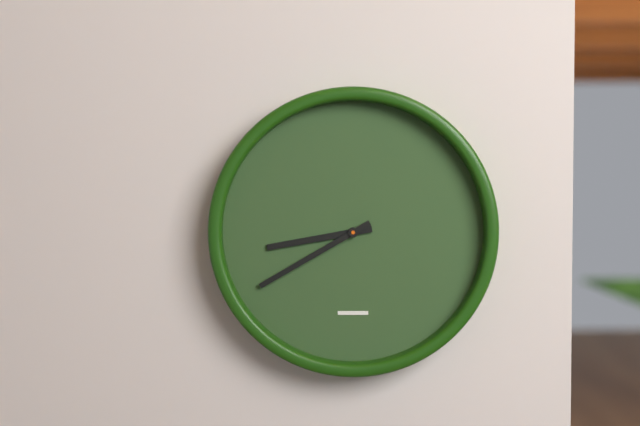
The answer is 8:40
